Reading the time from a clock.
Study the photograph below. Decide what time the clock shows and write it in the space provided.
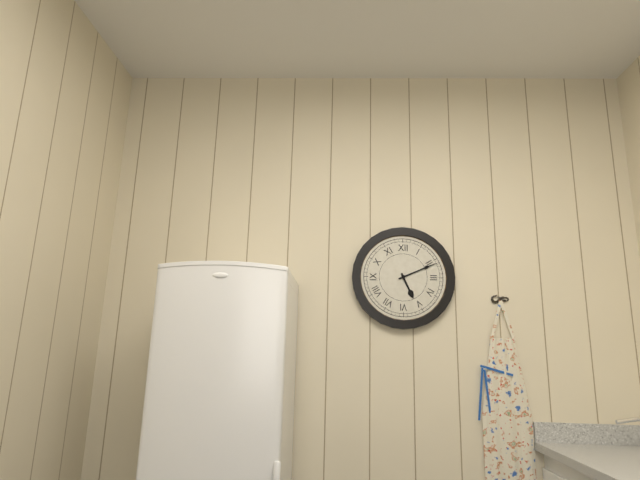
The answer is 5:11
